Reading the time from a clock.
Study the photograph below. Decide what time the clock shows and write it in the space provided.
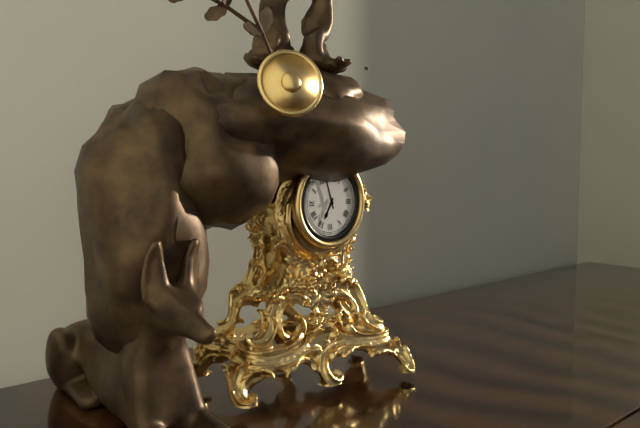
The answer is 6:57
